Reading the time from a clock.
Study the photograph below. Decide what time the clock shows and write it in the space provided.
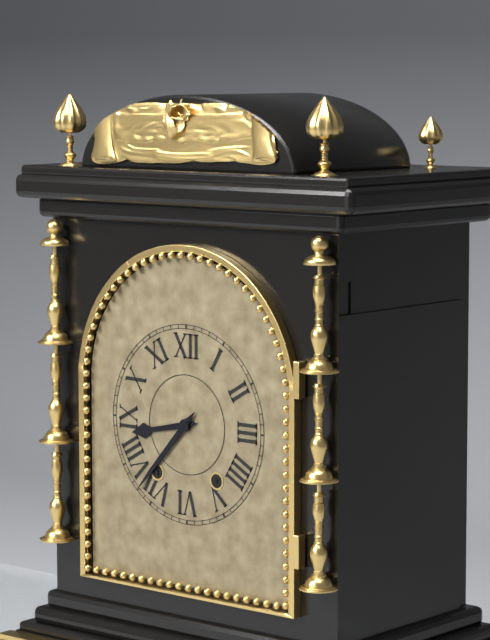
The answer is 8:37
